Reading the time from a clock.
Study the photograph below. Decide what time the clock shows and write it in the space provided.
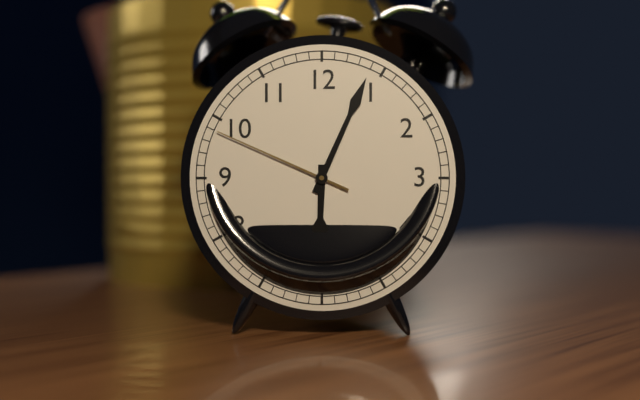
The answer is 6:04:49
